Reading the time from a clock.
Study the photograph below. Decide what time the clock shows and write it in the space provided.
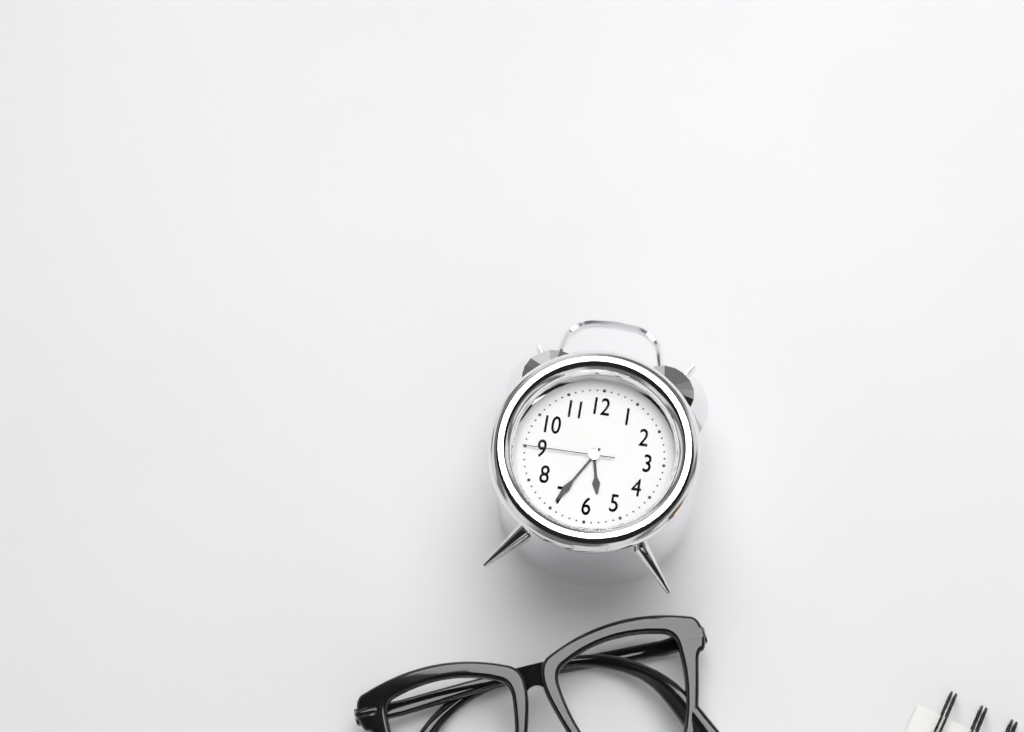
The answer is 5:35:45
